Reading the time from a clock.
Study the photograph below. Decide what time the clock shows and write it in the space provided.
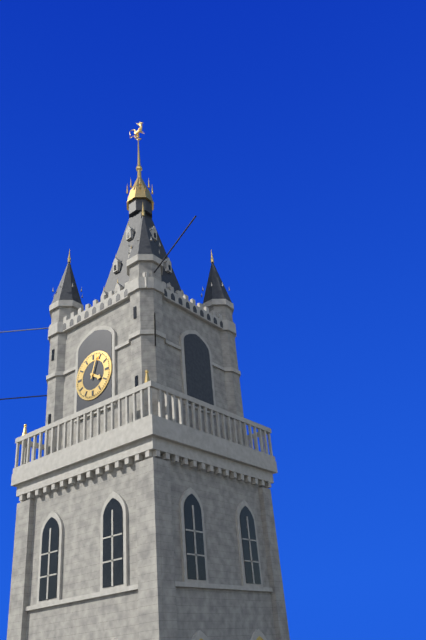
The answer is 4:03
